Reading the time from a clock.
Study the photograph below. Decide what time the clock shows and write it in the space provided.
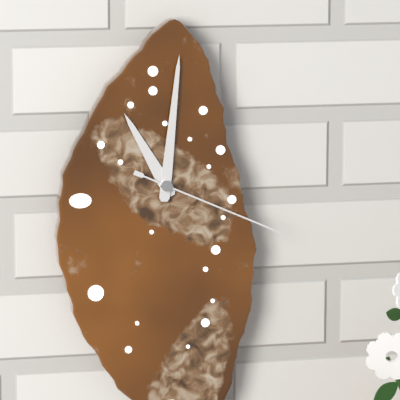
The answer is 11:01:19
